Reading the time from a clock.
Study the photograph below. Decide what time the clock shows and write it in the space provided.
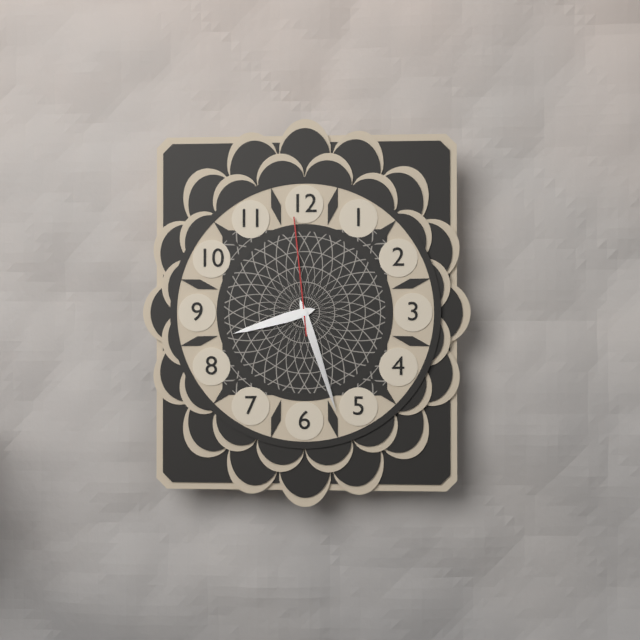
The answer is 8:27:59
